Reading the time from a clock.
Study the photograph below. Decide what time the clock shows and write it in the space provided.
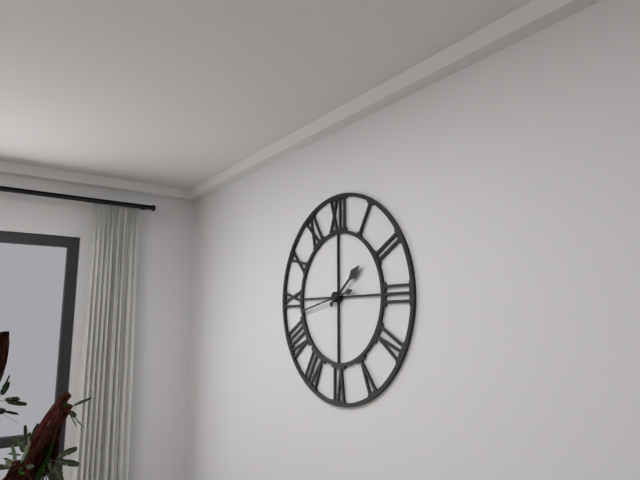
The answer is 1:43
